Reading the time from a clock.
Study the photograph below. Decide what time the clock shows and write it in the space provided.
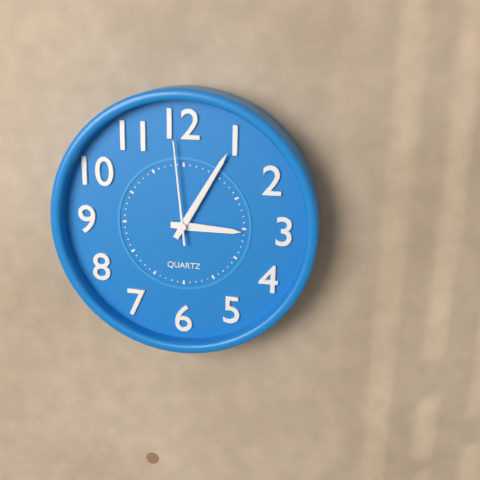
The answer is 3:05:59
